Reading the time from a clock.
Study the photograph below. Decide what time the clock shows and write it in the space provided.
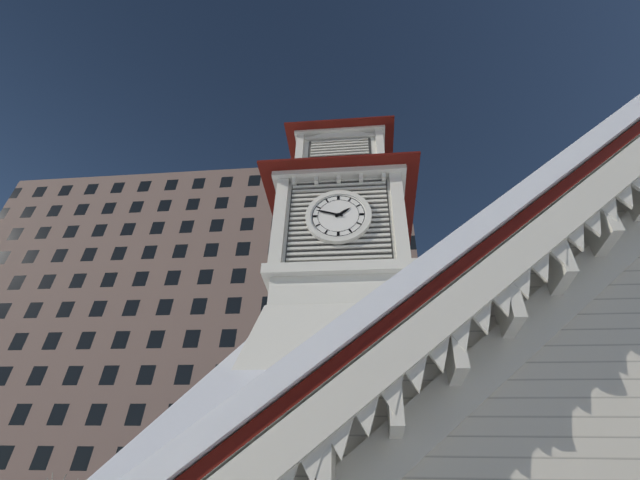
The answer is 1:48
